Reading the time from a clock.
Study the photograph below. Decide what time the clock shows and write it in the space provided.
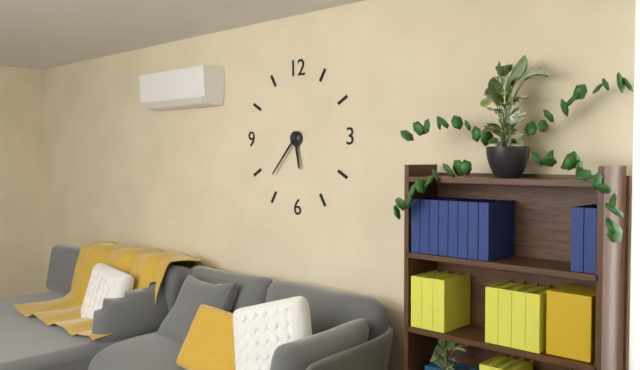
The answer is 5:37
